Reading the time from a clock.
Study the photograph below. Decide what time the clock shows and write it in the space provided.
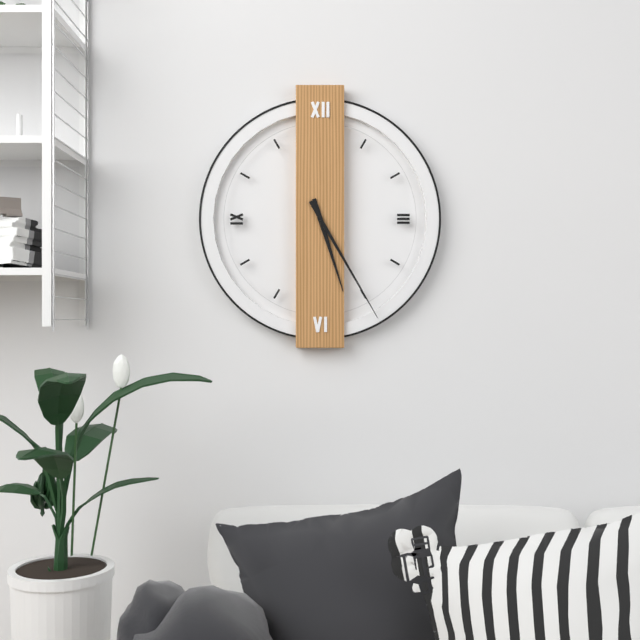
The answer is 5:25
